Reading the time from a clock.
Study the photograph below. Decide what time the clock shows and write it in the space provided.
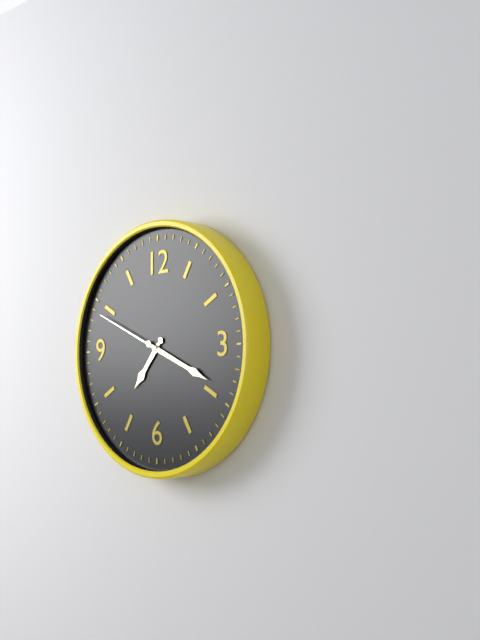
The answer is 7:19:49
